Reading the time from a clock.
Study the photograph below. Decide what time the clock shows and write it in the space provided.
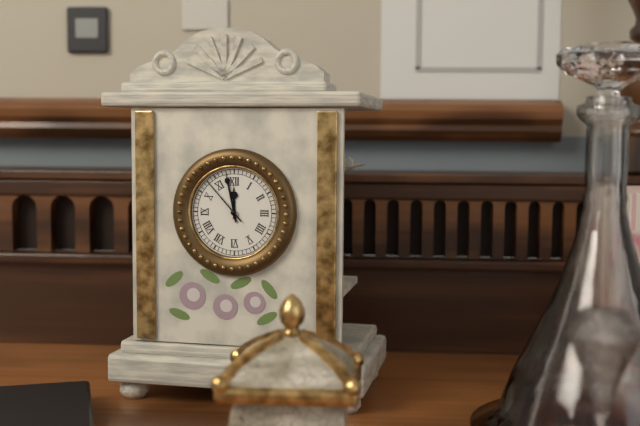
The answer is 11:58:53
